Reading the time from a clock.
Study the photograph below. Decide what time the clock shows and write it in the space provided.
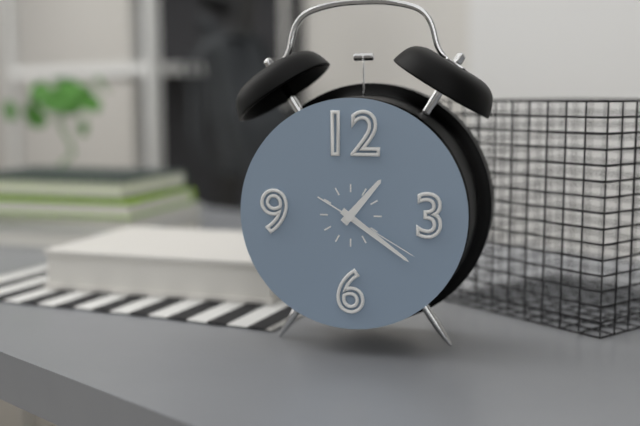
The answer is 1:21:20
